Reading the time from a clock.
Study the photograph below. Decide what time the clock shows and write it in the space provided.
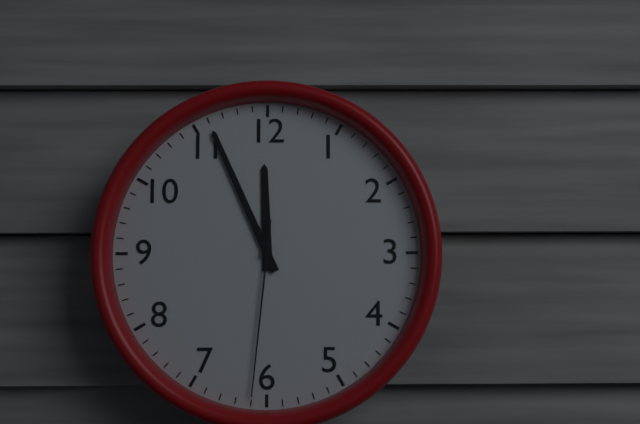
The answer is 11:56:31
